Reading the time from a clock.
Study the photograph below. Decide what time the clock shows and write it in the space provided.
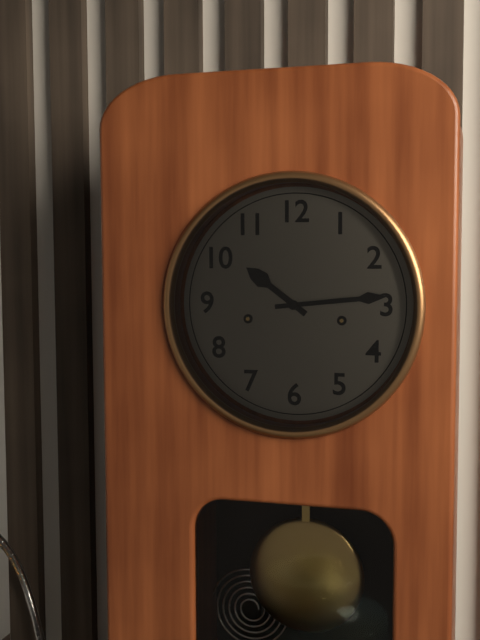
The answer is 10:14
